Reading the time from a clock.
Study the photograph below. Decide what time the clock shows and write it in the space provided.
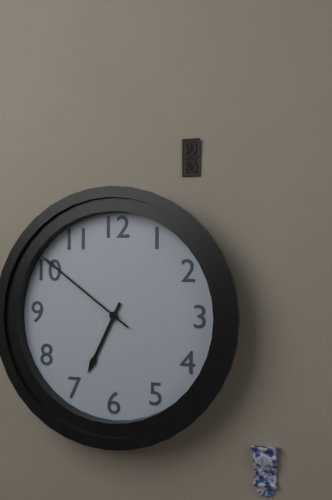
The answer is 6:51
